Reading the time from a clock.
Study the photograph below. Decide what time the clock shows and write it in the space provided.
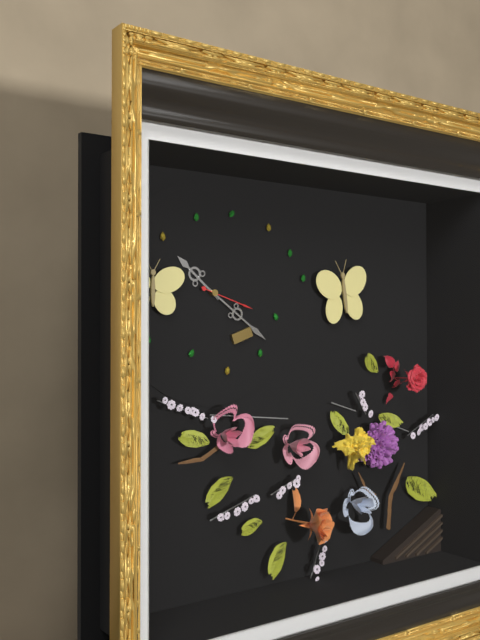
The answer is 10:21:18
